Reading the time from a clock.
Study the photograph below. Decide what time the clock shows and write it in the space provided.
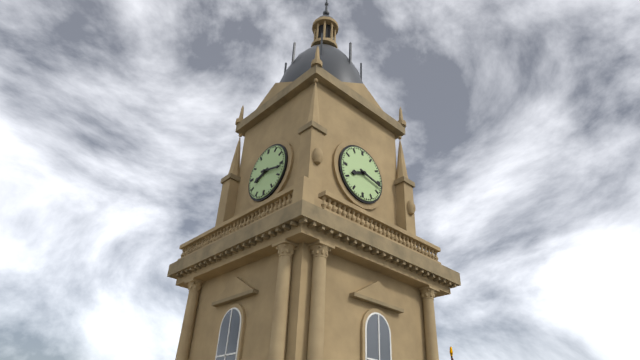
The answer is 8:17
